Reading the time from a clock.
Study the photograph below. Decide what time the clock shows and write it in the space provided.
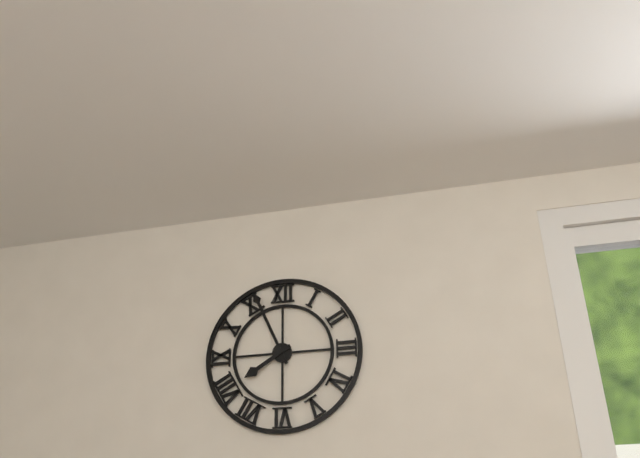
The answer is 7:56
